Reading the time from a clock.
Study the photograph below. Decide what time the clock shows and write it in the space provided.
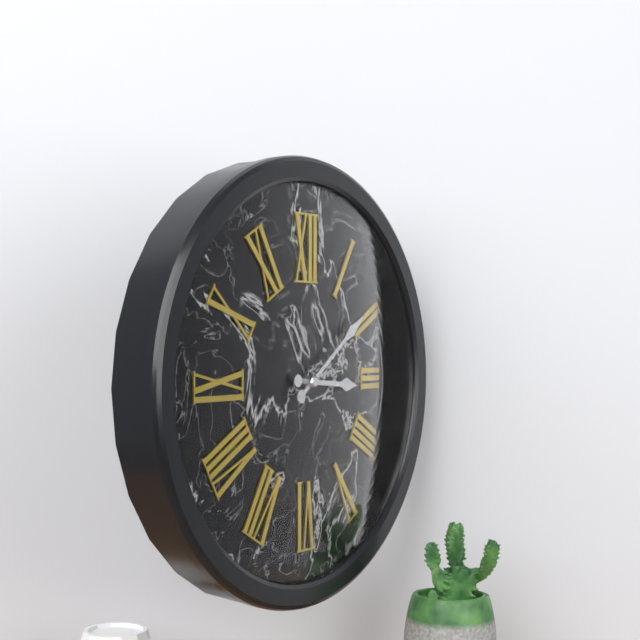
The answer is 3:09
